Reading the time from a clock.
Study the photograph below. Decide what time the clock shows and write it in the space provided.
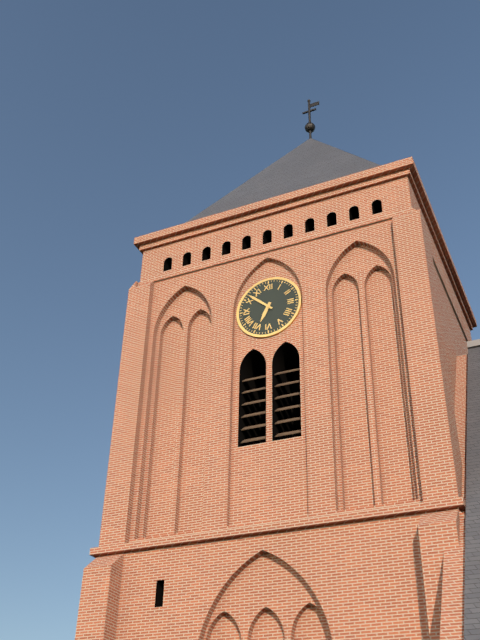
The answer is 6:52
